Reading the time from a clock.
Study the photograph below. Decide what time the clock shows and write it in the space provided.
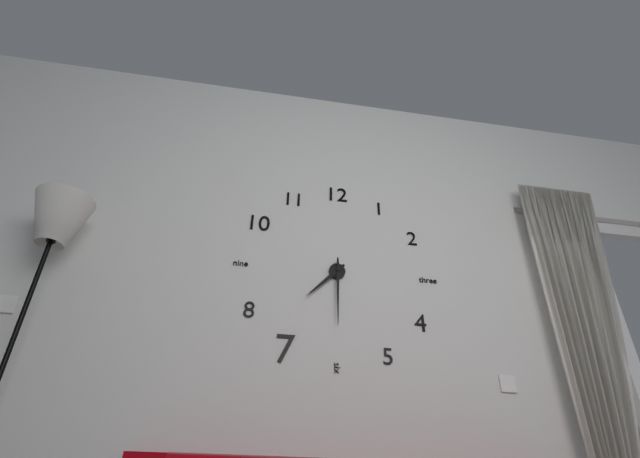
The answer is 7:30
